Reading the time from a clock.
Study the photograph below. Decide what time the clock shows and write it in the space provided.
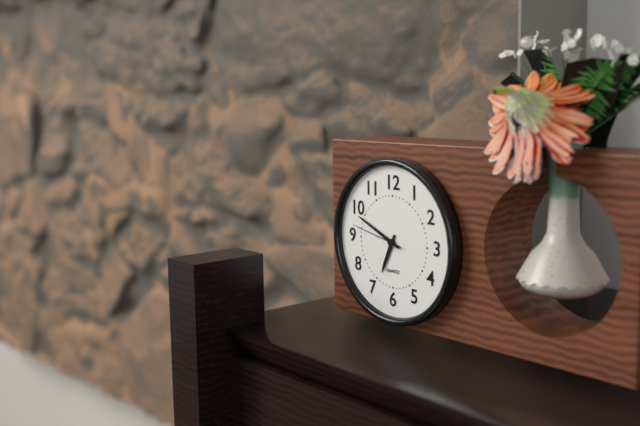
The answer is 6:49:47
